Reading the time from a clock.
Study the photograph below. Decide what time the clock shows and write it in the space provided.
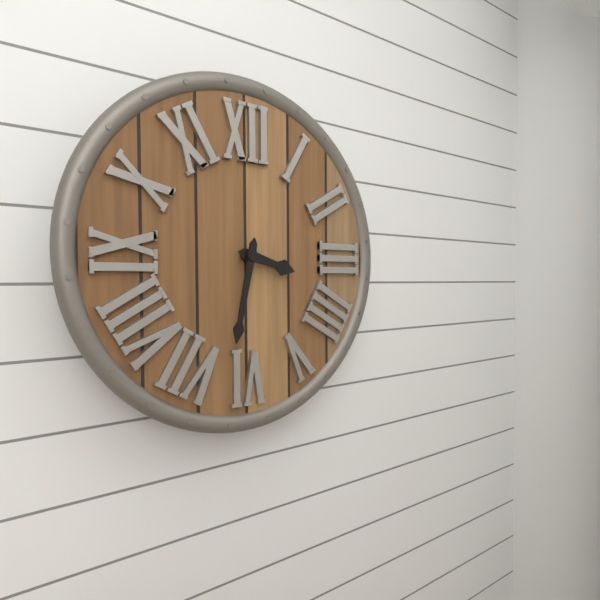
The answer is 3:32
